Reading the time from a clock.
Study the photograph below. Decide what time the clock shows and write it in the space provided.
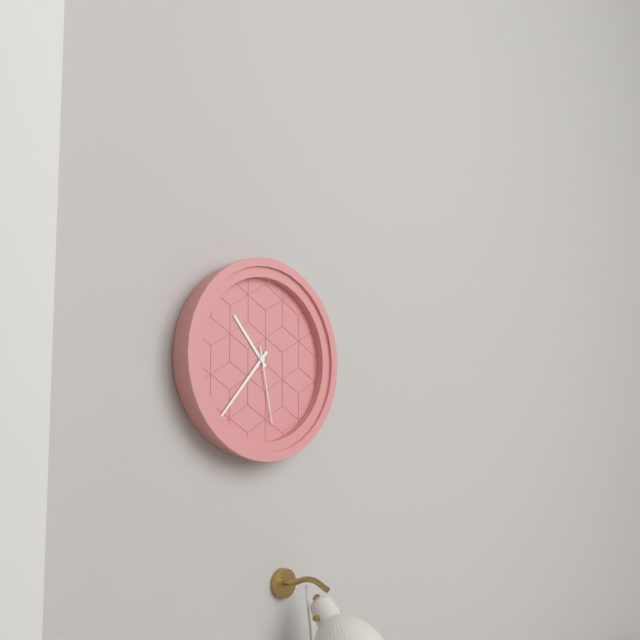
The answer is 10:37:28
